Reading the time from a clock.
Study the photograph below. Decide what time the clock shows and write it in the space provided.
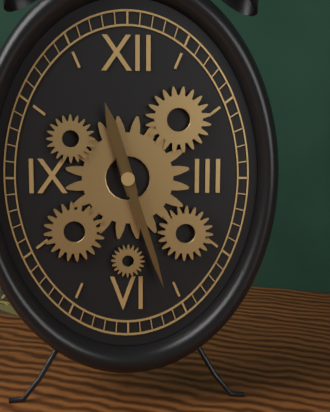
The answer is 11:27
